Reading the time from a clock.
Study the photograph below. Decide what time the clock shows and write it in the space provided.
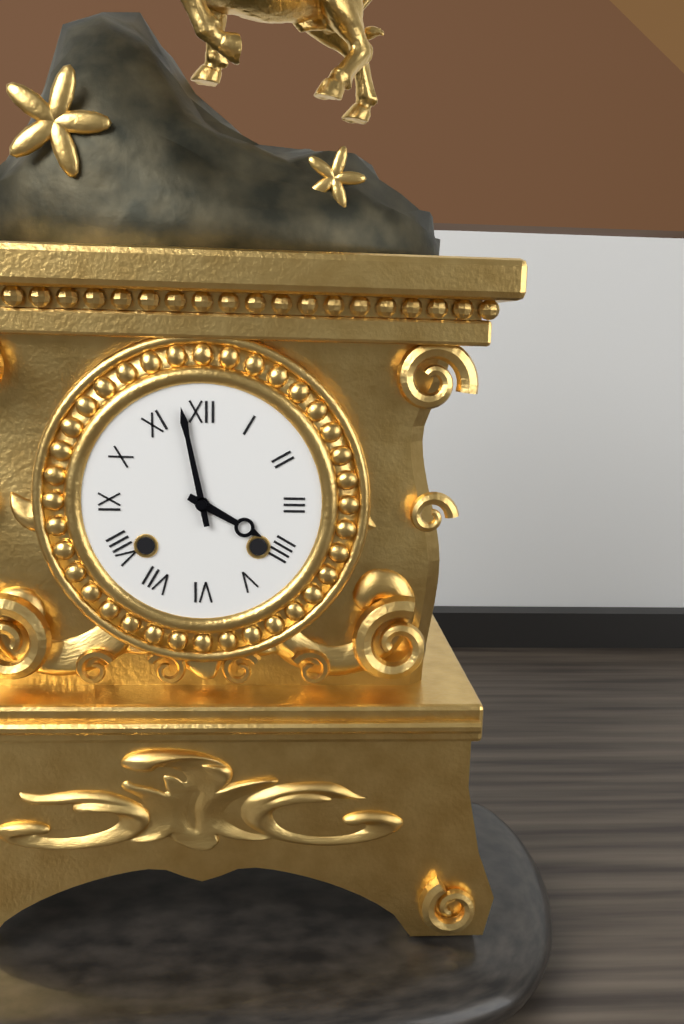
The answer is 3:58
